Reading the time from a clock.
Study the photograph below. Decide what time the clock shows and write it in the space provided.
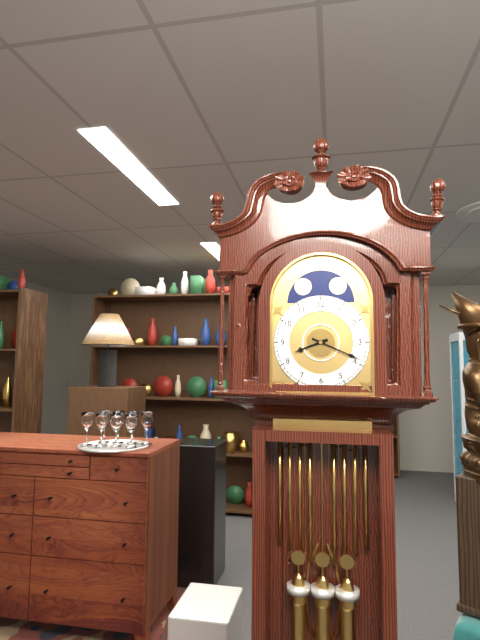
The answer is 8:19
